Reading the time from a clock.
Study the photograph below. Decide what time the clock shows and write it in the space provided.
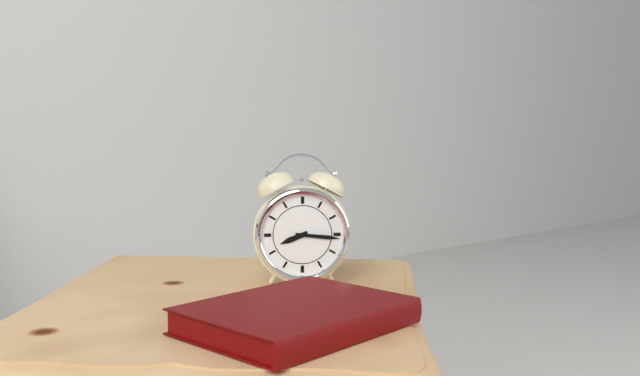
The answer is 8:16
